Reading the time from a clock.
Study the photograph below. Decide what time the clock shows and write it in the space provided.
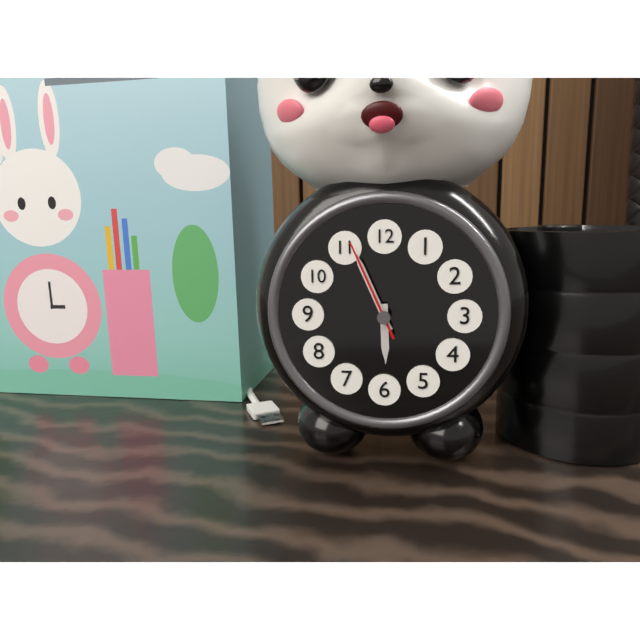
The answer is 5:56:56
